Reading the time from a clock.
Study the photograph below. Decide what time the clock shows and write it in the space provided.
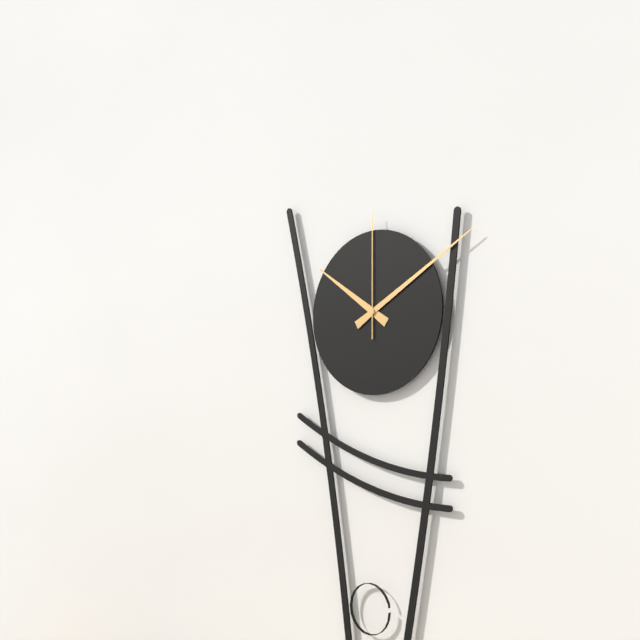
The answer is 10:10:00
